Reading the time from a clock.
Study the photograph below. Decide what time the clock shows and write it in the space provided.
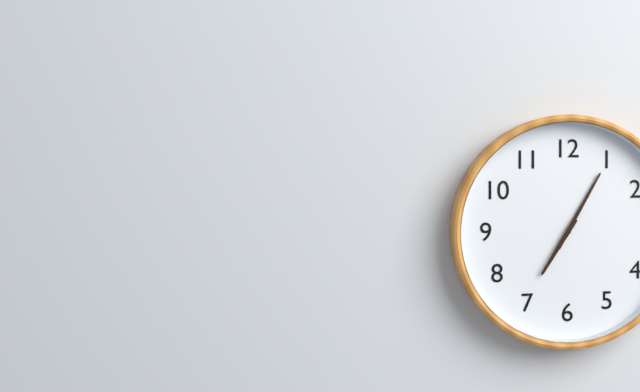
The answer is 7:05
